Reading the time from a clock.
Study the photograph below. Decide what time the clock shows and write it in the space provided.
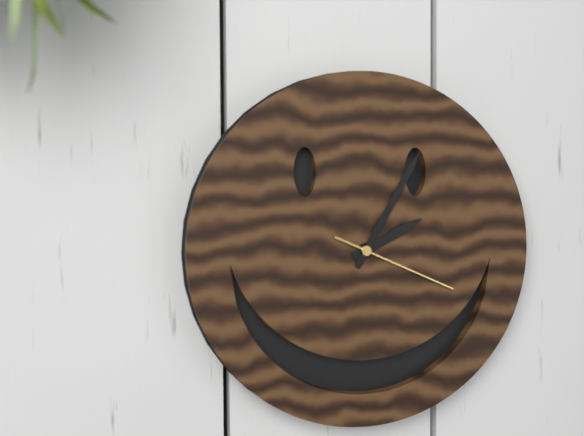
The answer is 2:05:19
